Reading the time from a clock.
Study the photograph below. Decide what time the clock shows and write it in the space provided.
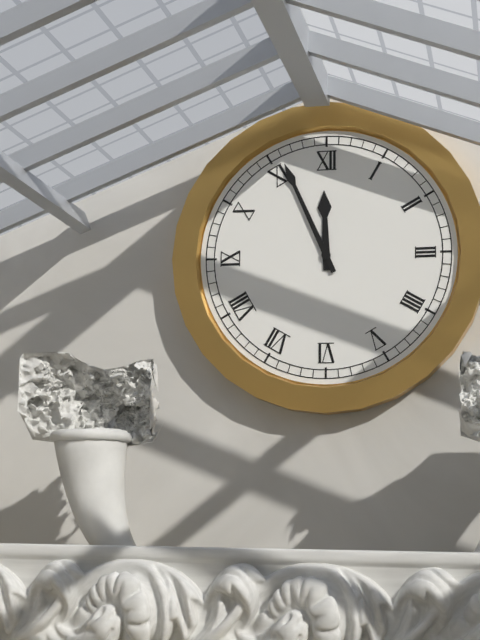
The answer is 11:56
